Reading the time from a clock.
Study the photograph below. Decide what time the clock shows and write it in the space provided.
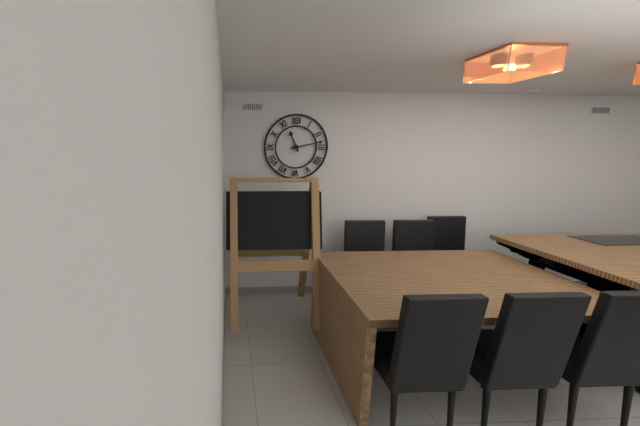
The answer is 11:13
